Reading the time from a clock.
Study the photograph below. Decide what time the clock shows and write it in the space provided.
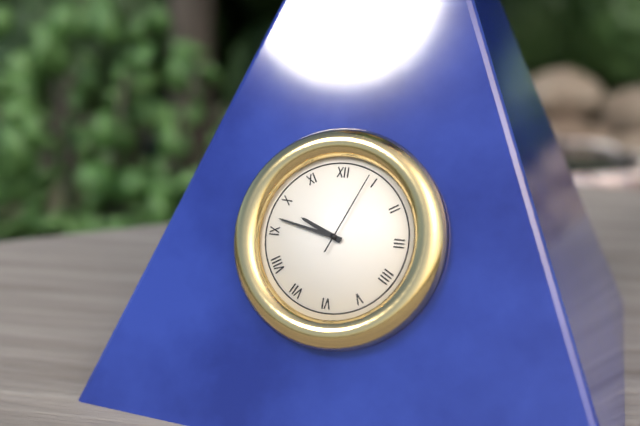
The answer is 9:47:04
